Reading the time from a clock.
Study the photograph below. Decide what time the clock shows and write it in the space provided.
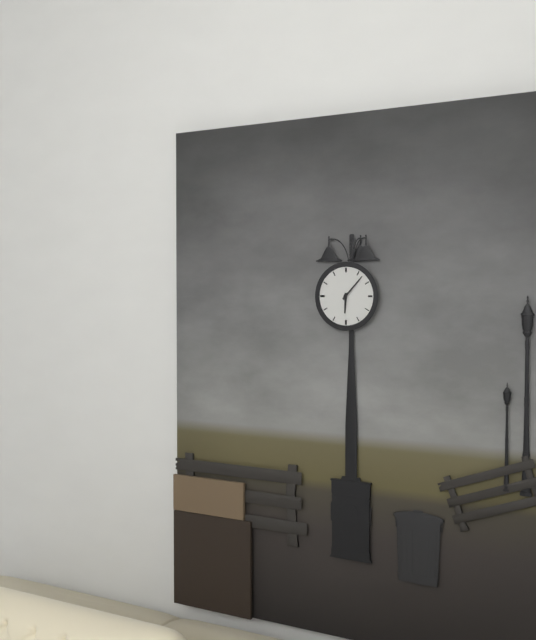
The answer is 6:07
